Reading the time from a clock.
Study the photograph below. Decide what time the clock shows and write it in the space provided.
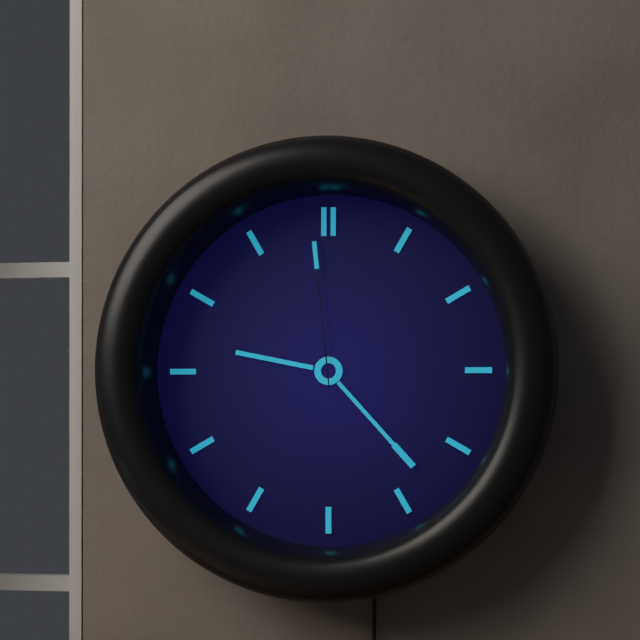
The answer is 9:23:59
